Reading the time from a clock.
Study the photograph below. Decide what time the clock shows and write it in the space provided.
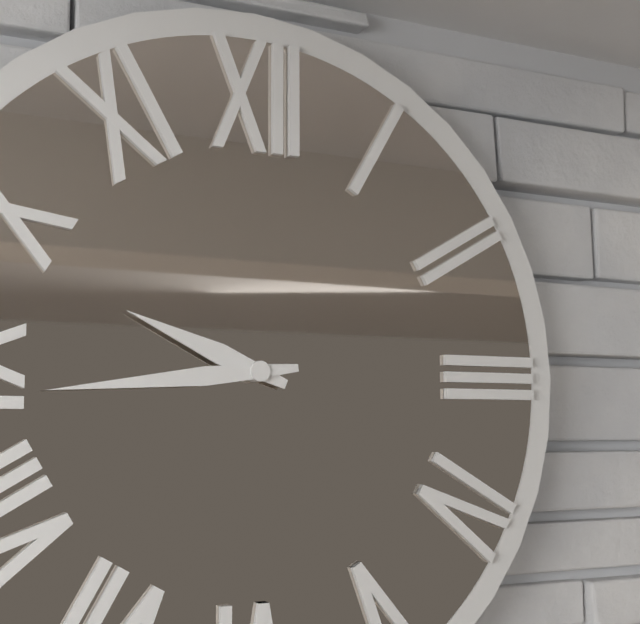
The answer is 9:44
